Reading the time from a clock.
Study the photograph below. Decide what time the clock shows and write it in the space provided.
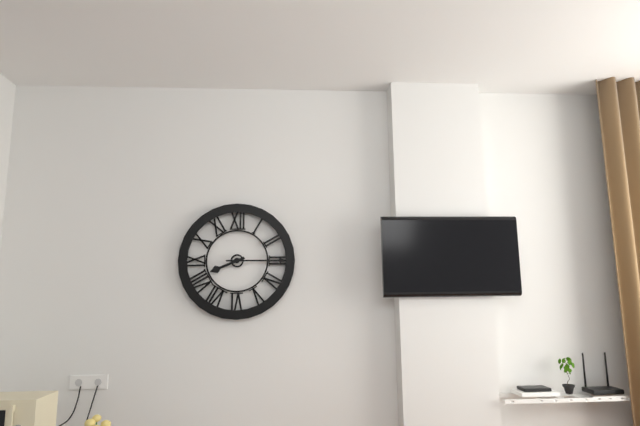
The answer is 8:15
